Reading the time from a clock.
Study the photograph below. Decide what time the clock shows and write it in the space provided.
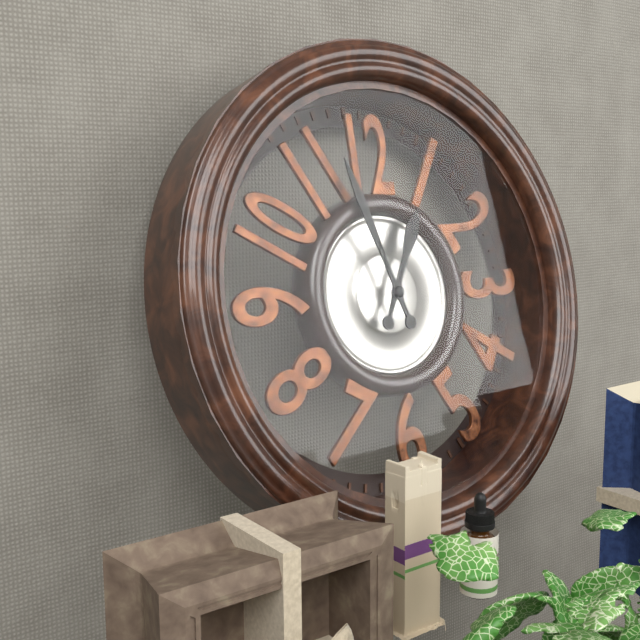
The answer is 12:57
